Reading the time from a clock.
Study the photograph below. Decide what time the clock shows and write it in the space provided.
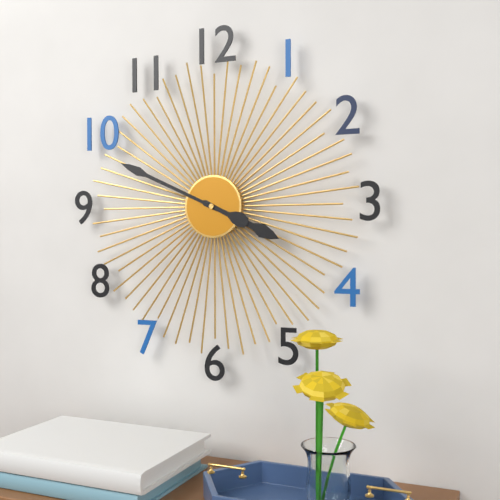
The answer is 3:49
